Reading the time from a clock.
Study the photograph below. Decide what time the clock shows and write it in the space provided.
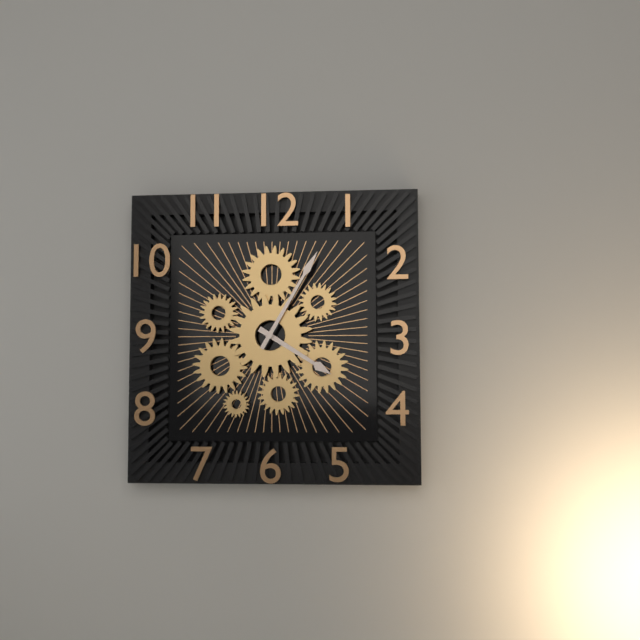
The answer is 4:05
